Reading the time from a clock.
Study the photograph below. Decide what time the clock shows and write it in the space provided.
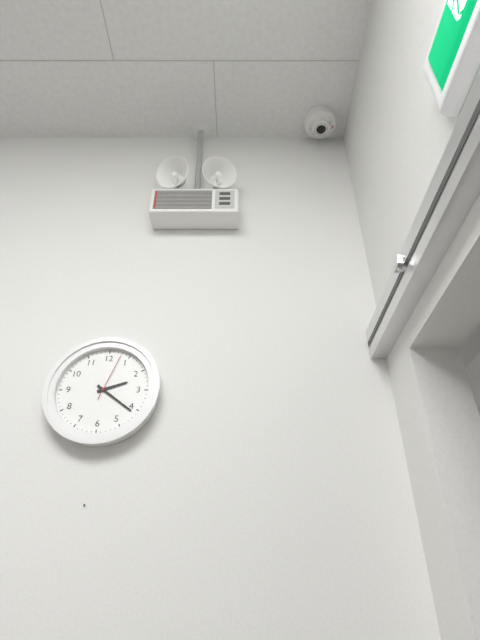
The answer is 2:21
